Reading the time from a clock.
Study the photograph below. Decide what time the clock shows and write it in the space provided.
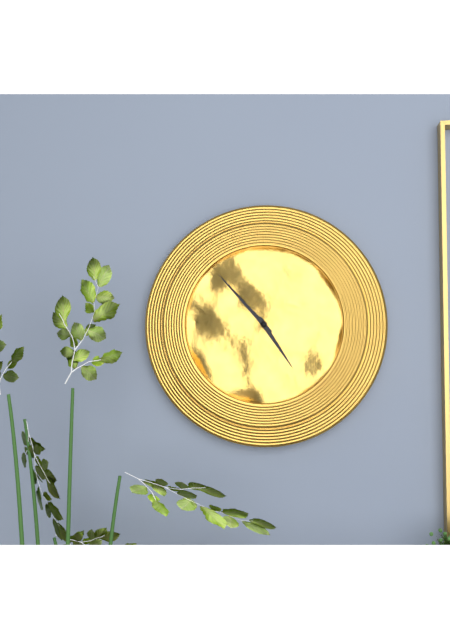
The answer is 4:53
